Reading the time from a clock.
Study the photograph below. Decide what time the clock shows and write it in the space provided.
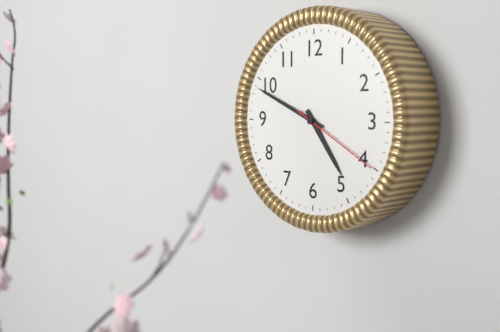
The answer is 4:49:20
